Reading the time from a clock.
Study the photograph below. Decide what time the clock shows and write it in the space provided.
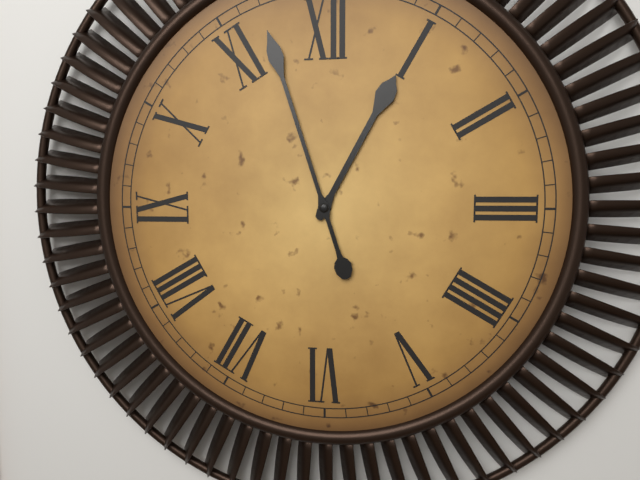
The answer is 12:57
